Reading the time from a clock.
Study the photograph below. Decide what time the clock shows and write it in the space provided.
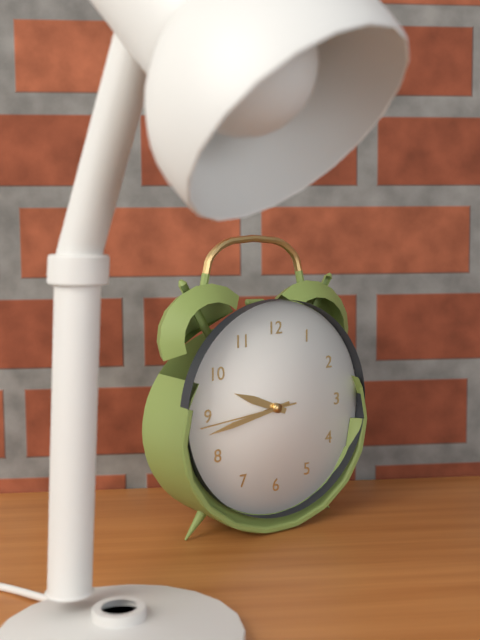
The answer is 9:43:44
